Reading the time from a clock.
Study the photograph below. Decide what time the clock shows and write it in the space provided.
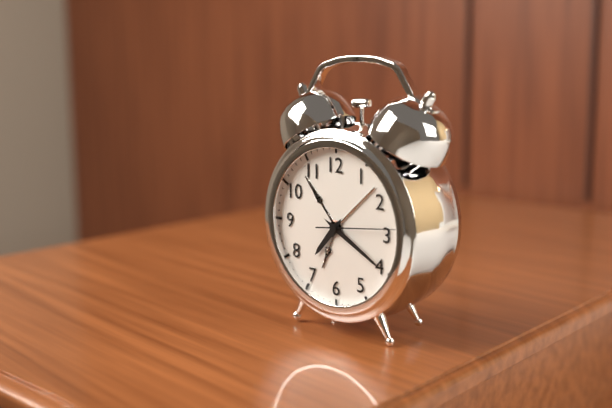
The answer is 7:20:14
